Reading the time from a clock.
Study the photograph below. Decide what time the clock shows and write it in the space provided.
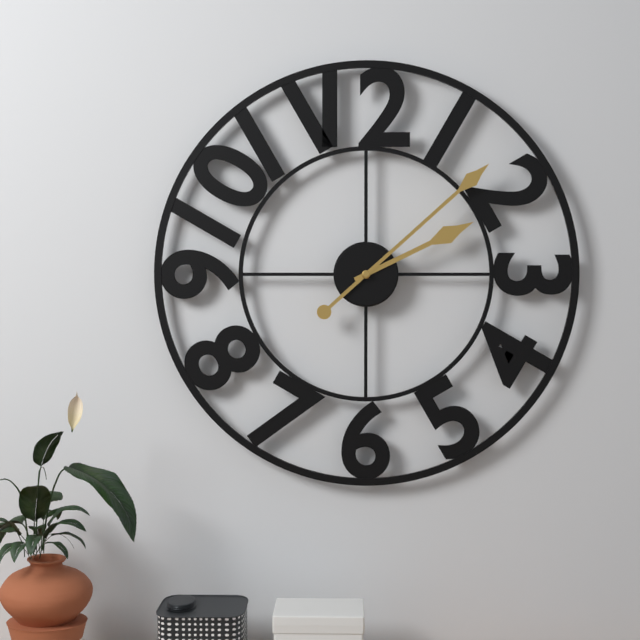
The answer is 2:08
